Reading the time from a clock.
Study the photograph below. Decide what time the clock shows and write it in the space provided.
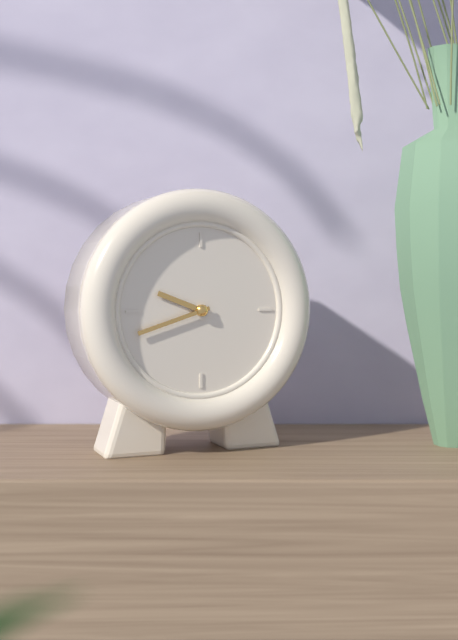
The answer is 9:42
